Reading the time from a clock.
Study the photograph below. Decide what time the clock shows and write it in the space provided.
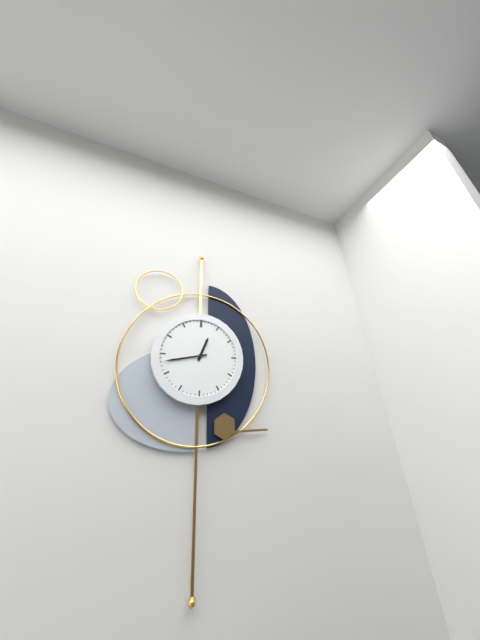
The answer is 12:43
